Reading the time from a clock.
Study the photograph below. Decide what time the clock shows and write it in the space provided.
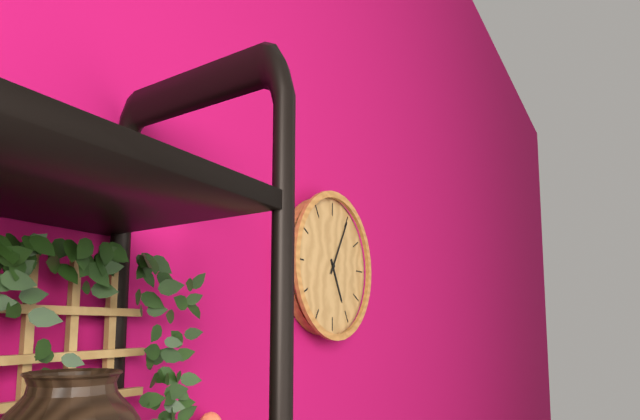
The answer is 5:05
